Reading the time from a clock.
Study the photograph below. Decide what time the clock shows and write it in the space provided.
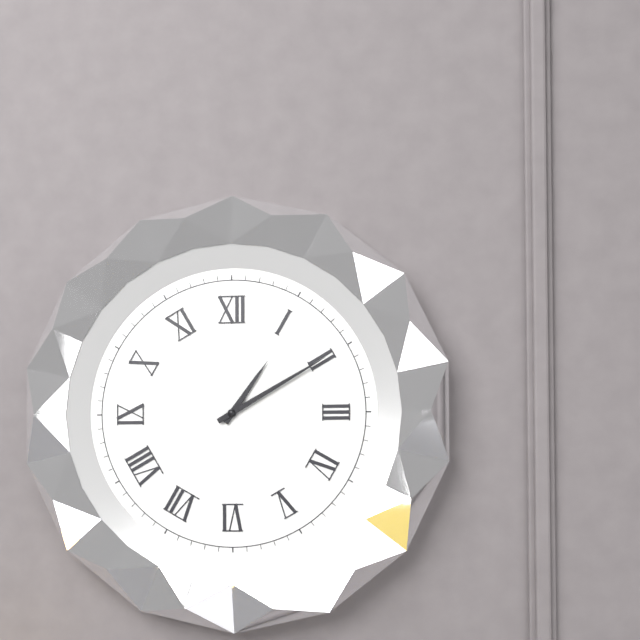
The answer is 1:10
